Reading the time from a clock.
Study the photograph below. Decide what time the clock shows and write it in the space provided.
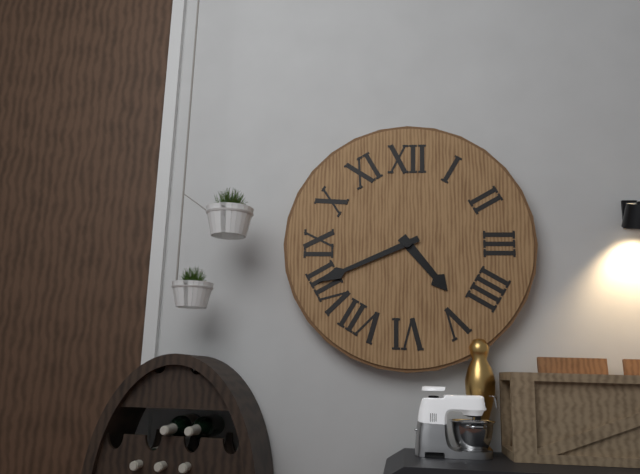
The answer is 4:41
